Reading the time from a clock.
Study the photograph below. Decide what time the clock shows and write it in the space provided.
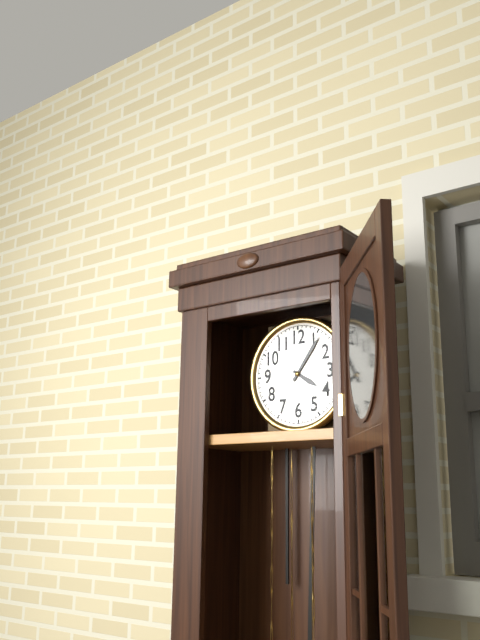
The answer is 4:06
